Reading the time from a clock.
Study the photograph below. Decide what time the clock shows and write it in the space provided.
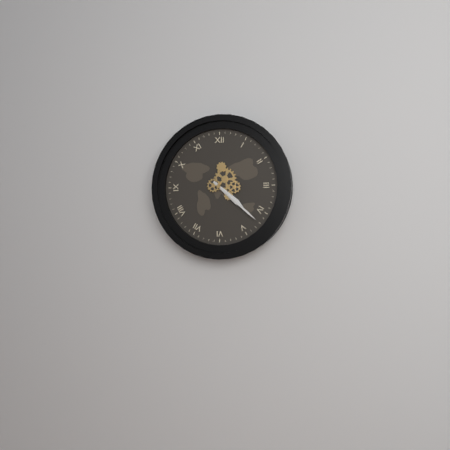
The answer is 4:22
